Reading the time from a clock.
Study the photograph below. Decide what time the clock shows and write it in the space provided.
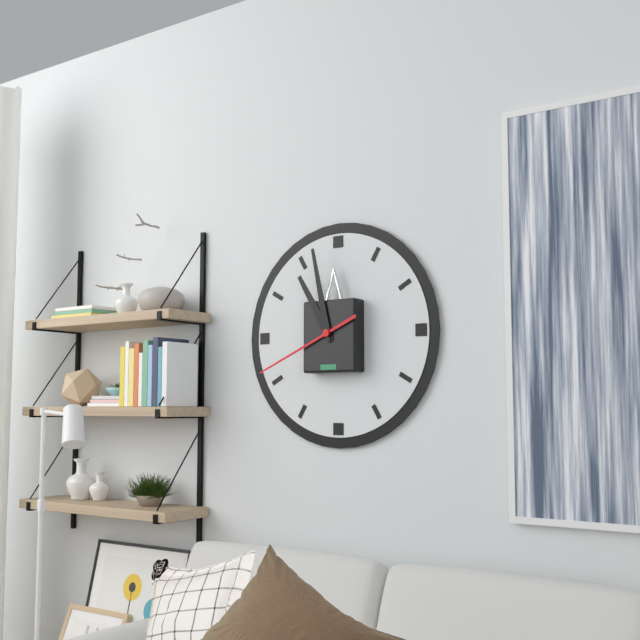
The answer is 10:58:41
